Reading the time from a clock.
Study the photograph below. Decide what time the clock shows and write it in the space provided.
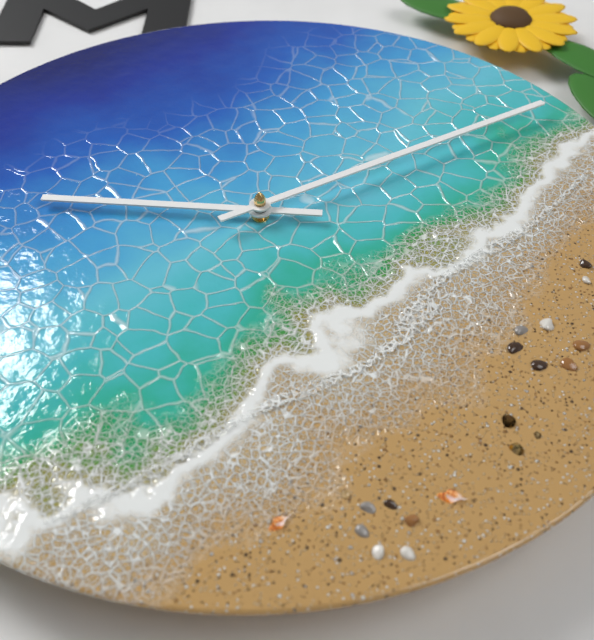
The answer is 9:10
